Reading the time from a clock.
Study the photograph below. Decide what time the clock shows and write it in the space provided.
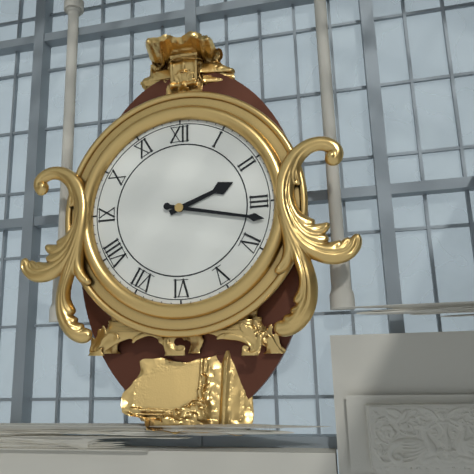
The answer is 2:17
